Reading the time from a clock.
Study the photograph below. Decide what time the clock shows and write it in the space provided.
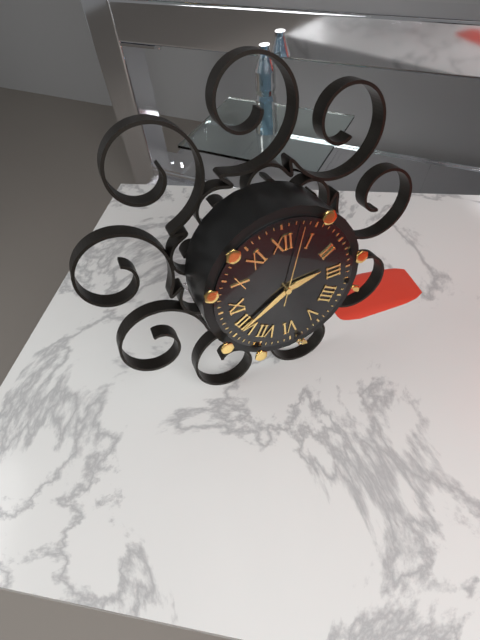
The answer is 2:40:03
